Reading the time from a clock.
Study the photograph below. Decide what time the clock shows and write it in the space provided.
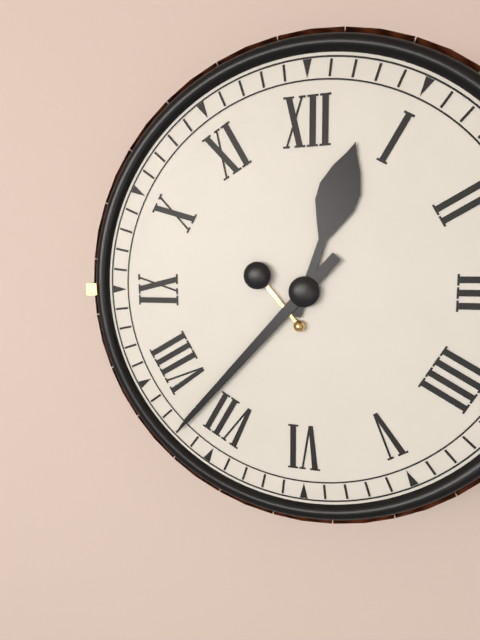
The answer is 12:37
